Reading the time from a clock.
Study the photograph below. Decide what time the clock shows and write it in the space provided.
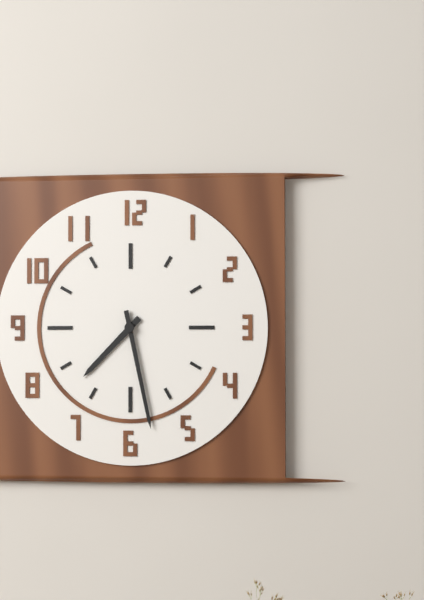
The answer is 7:28
